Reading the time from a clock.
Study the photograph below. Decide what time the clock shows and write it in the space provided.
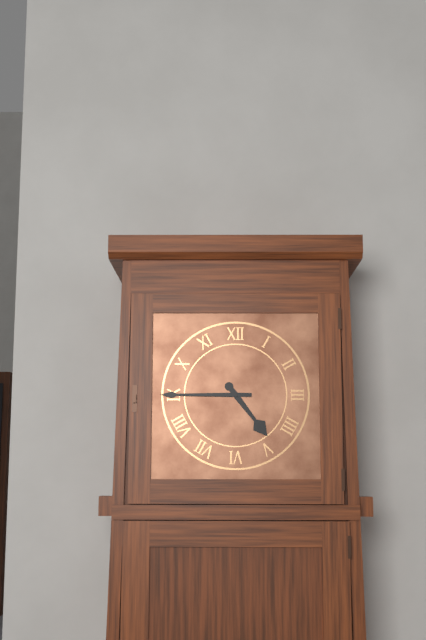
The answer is 4:45
